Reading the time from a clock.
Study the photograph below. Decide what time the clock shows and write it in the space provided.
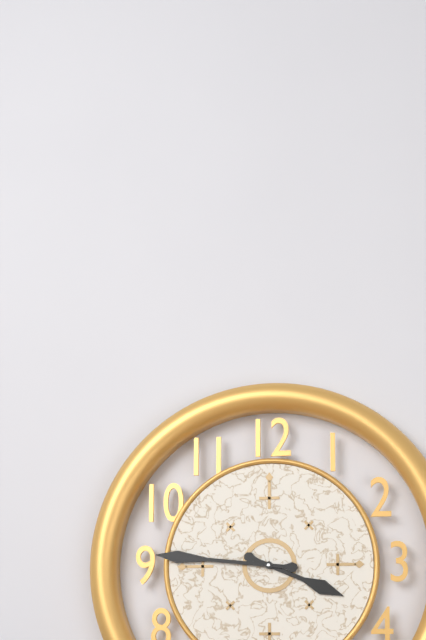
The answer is 3:46
